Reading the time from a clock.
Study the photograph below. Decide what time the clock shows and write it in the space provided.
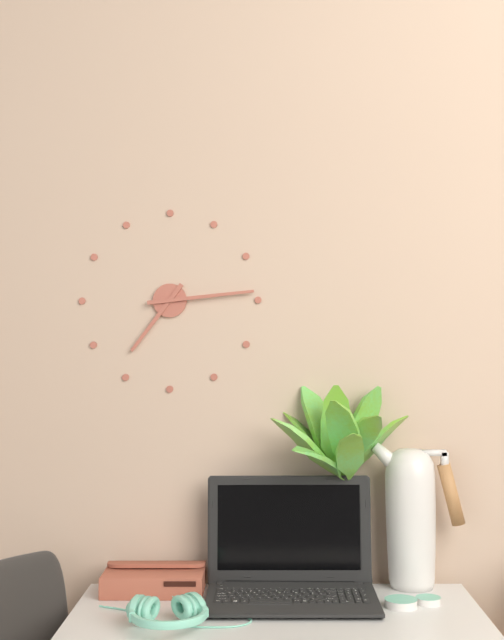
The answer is 7:14
